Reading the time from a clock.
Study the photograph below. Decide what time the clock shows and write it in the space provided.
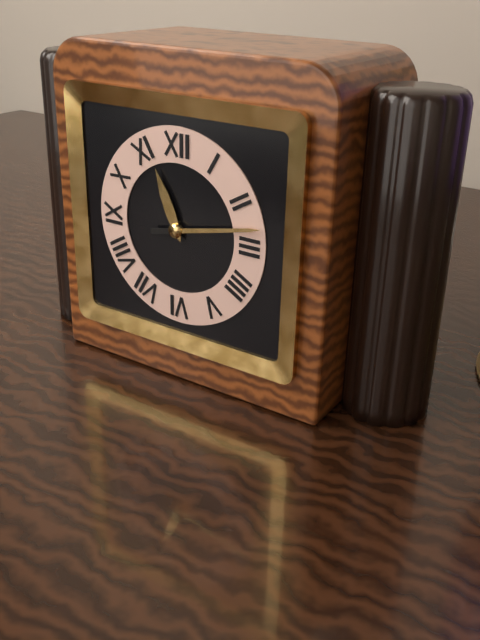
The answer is 11:13
